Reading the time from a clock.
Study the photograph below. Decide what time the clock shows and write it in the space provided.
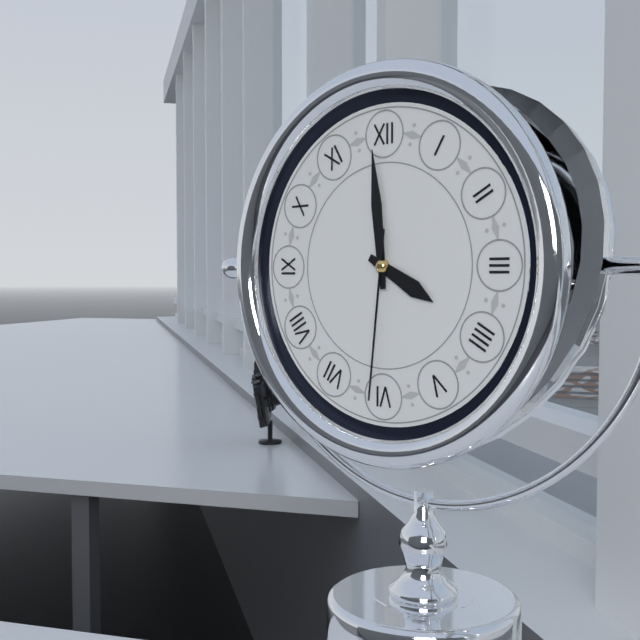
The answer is 3:59:31
